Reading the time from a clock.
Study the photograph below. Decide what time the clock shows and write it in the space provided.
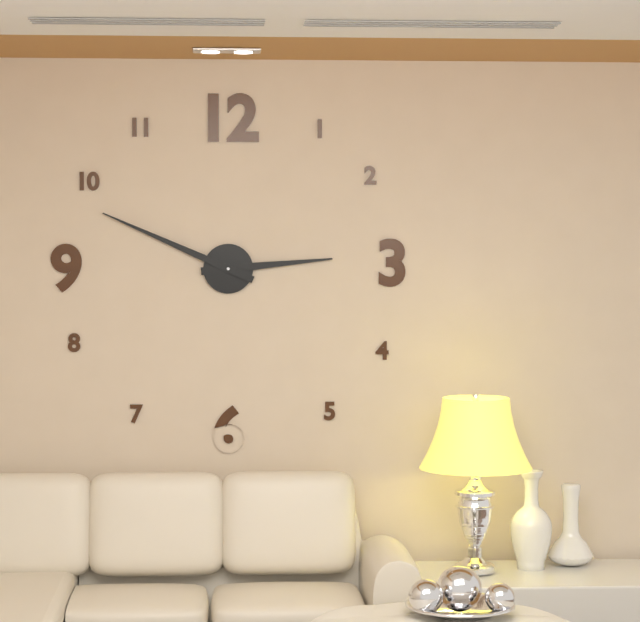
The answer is 2:49
